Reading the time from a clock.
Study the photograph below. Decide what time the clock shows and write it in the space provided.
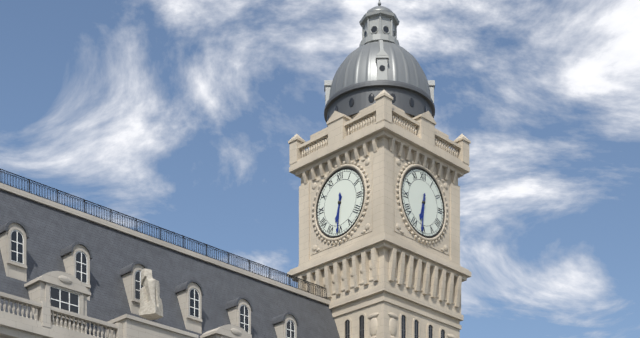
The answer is 6:31
